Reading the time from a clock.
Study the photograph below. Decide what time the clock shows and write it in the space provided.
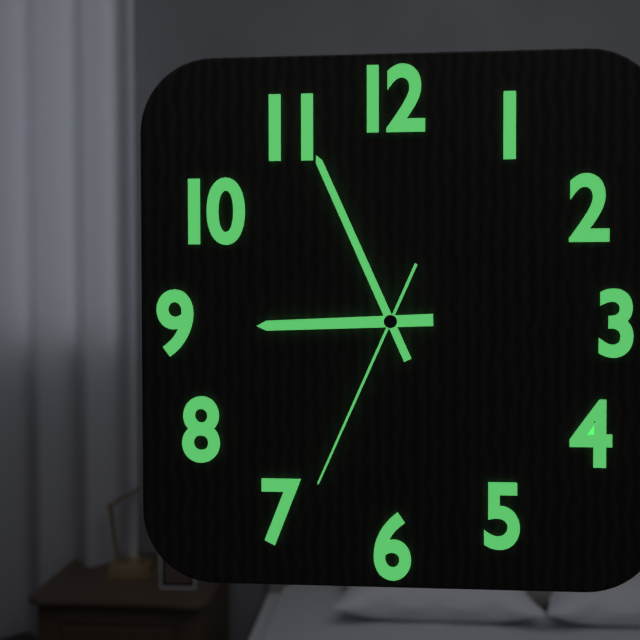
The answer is 8:56:34
